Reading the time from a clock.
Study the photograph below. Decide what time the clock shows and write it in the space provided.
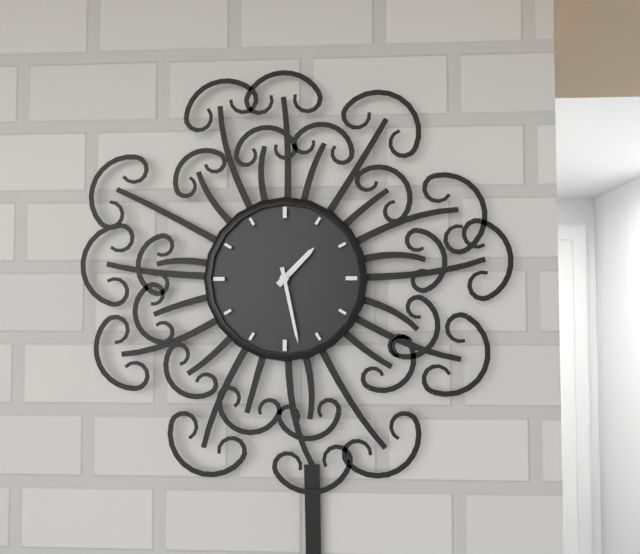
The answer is 1:28
